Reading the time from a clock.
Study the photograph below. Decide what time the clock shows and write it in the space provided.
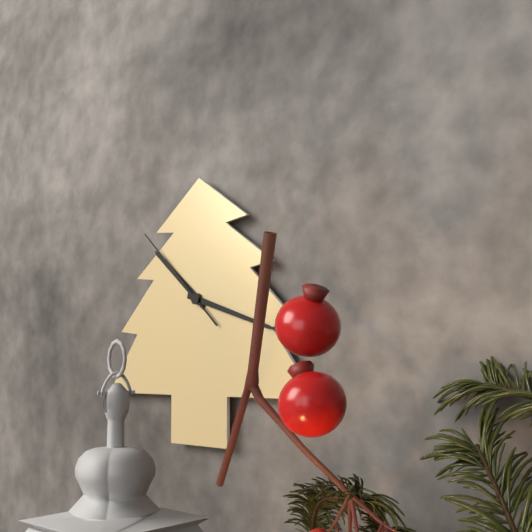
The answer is 10:18:52
